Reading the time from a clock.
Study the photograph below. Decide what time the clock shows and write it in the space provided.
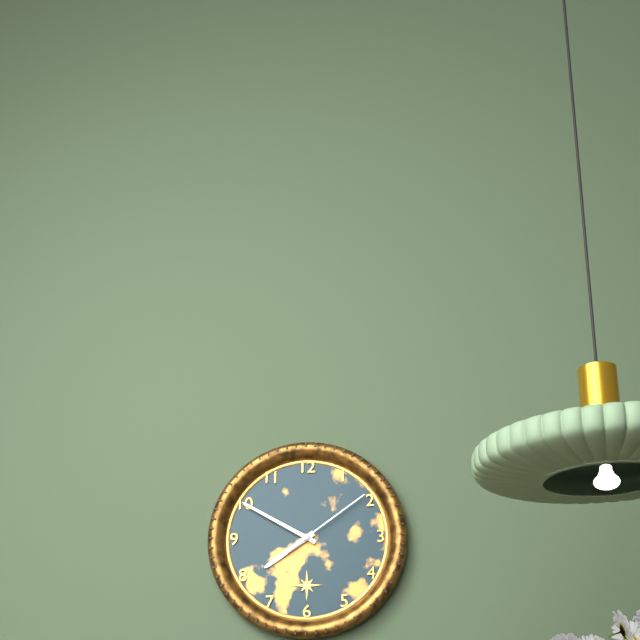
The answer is 7:50:09
